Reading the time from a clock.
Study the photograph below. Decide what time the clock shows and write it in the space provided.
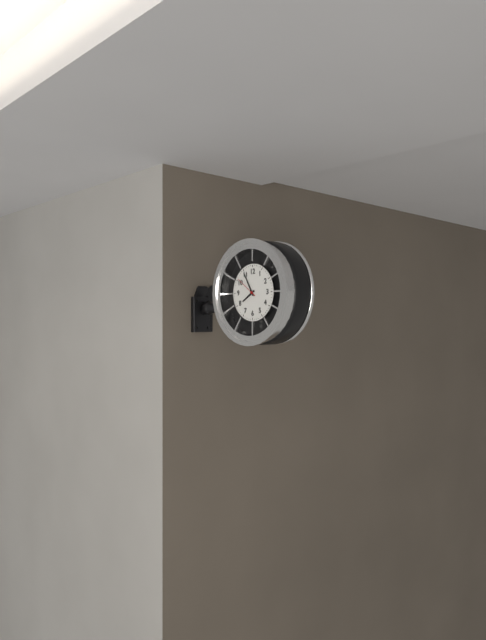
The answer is 7:55
